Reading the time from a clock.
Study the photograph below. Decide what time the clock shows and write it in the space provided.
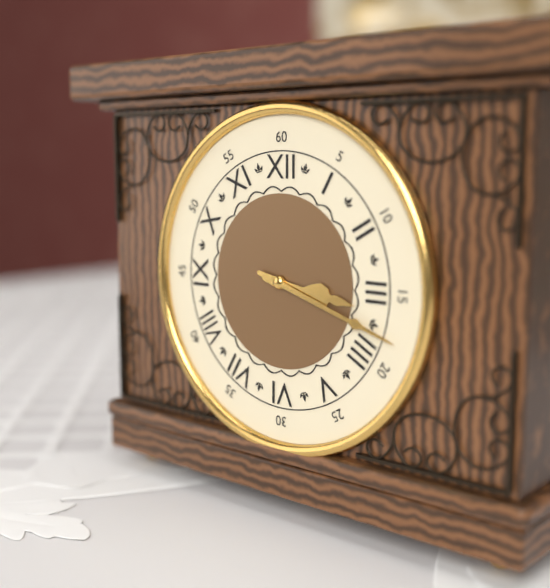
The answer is 3:18
